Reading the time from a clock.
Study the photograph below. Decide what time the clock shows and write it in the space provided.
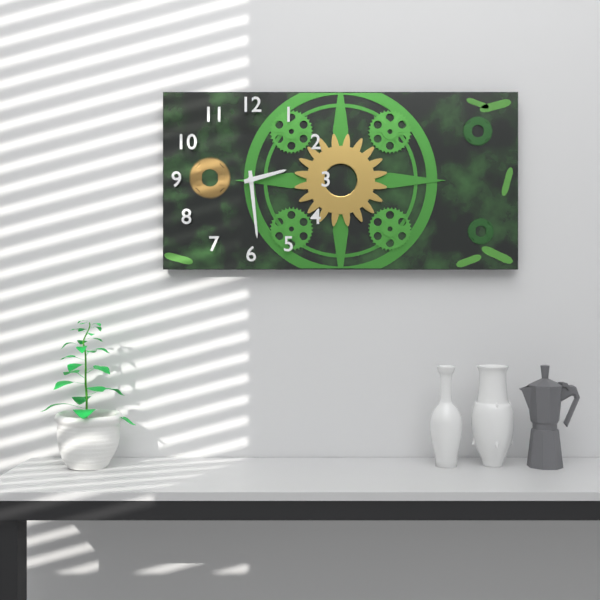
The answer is 2:29
